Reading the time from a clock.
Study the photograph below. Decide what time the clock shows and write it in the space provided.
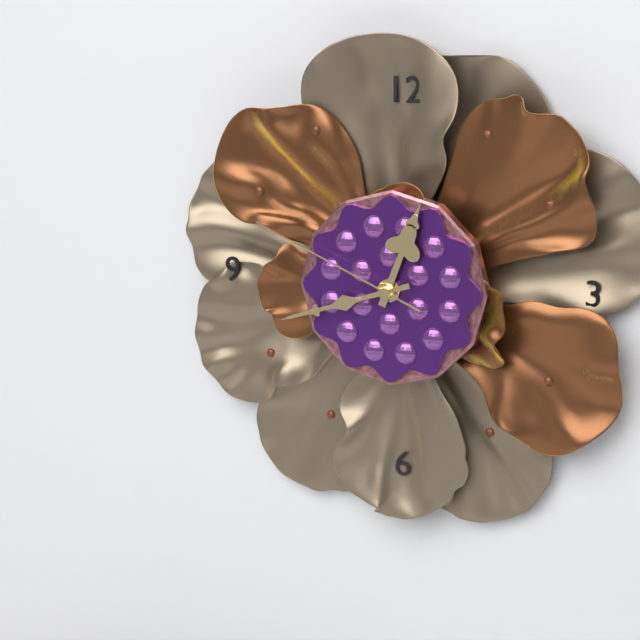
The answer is 12:42:49
